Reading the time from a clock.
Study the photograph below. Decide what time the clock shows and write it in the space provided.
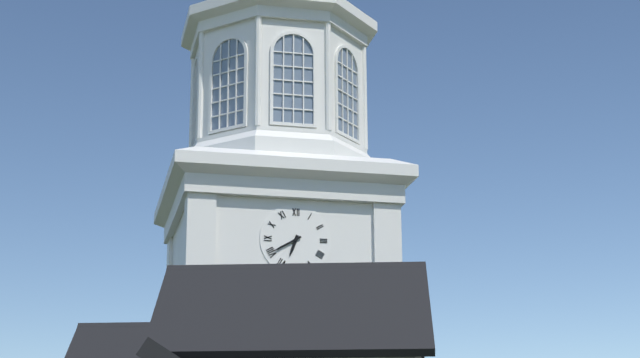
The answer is 6:40
